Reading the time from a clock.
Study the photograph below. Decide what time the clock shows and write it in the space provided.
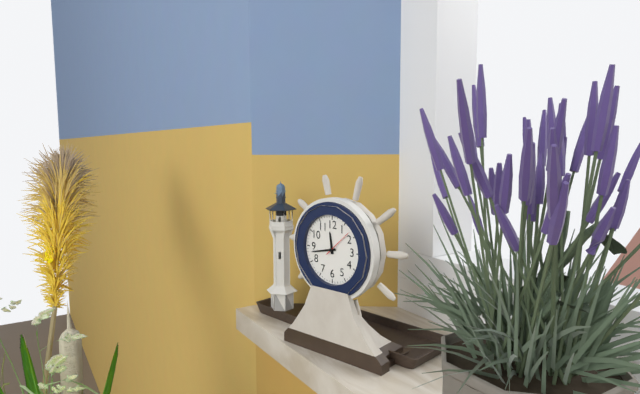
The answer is 11:43
